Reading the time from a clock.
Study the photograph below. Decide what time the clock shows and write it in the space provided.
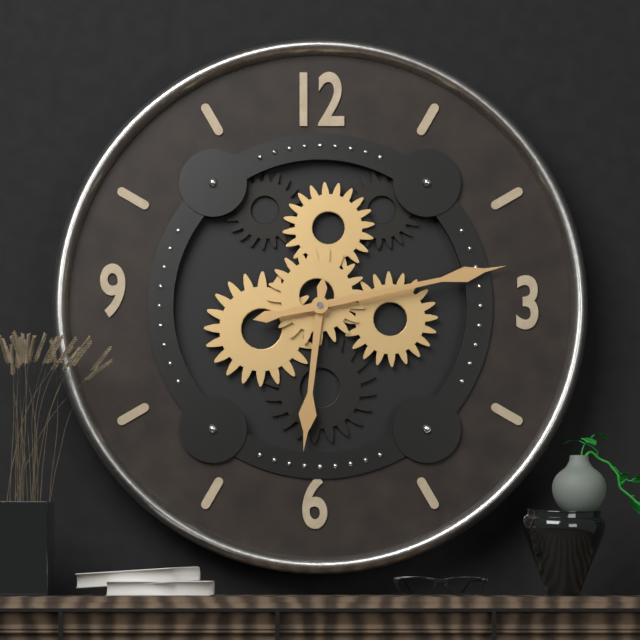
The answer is 6:13
